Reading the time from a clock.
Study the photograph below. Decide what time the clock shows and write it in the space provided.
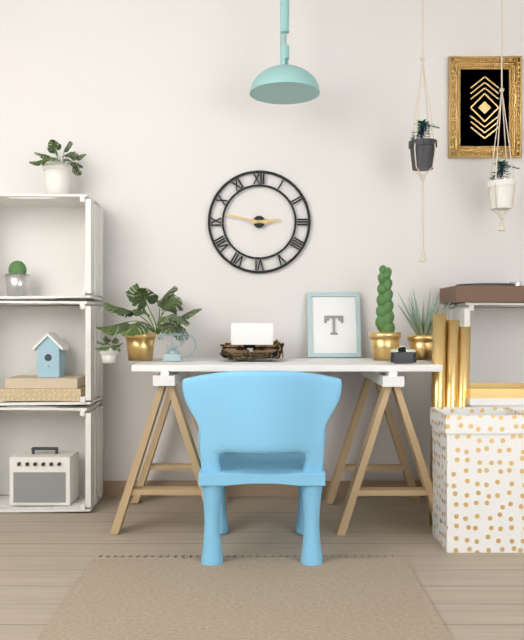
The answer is 2:47
